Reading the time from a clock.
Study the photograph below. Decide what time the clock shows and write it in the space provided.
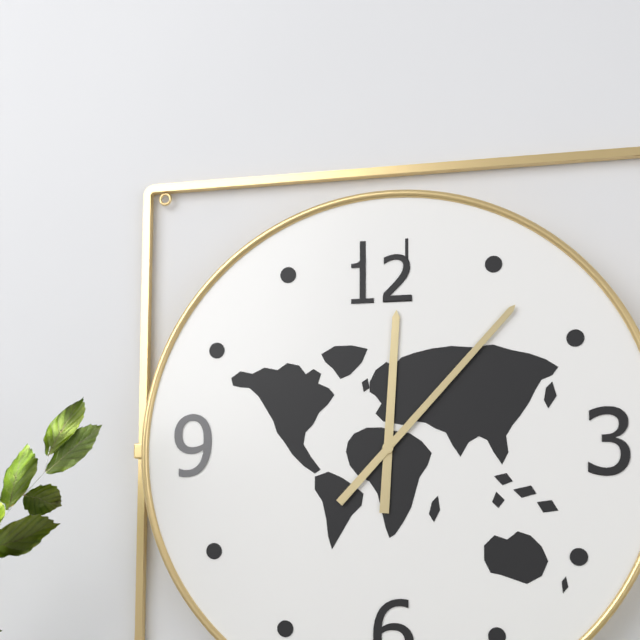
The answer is 12:07
